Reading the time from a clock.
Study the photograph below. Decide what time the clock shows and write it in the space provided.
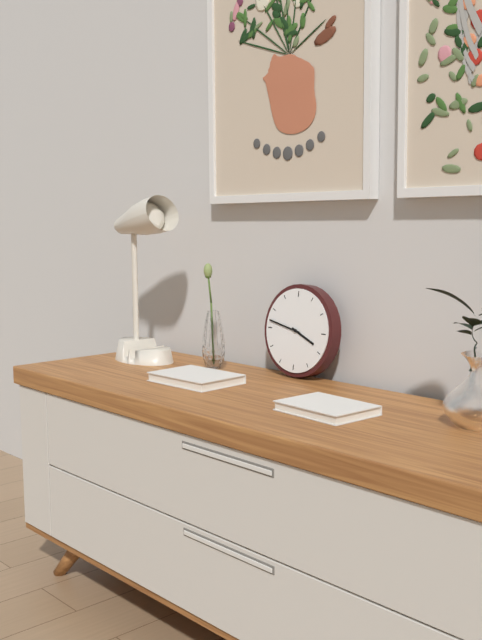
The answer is 3:47
